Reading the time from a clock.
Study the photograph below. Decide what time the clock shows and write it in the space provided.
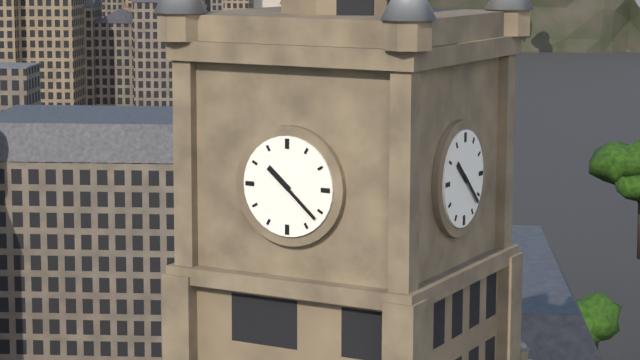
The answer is 10:22
